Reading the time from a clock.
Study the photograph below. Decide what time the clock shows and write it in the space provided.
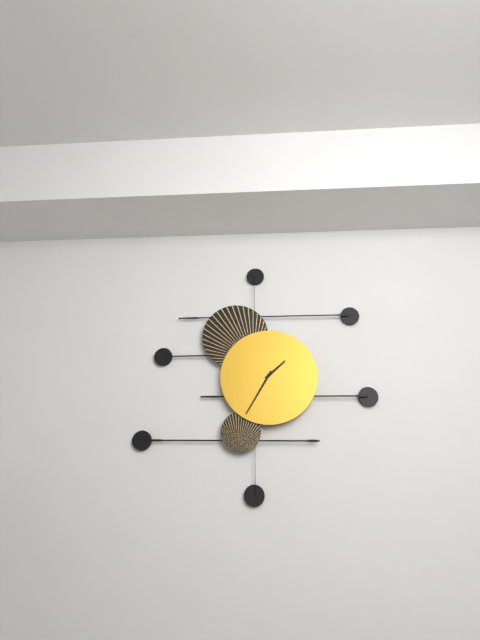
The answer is 1:35
